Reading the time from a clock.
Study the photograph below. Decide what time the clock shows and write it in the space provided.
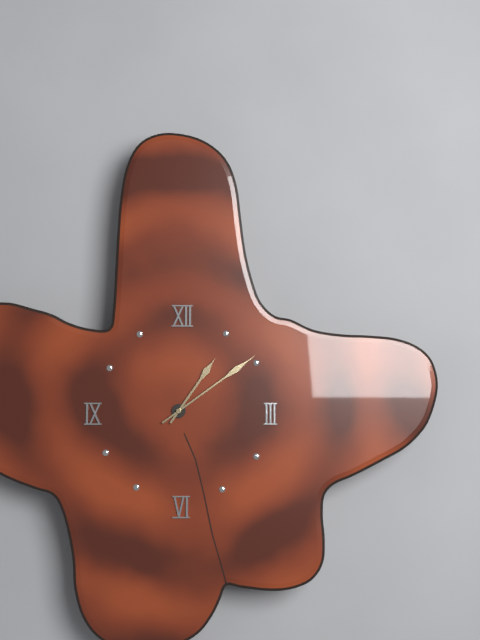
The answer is 1:09
